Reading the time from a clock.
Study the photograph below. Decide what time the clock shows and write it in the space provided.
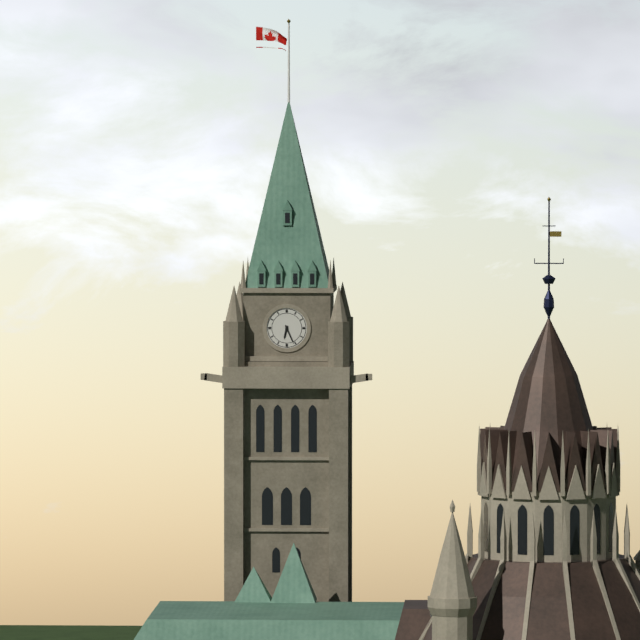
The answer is 6:26
